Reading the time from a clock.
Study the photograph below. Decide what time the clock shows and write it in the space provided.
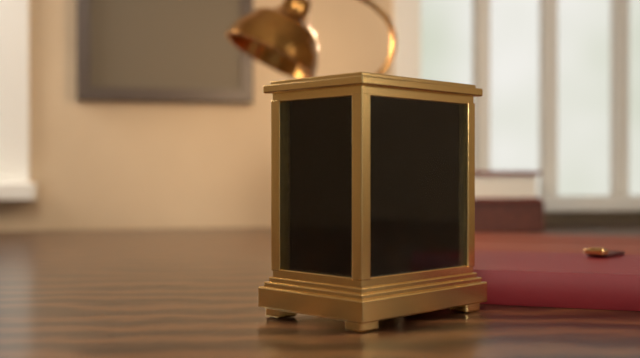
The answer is 5:46
